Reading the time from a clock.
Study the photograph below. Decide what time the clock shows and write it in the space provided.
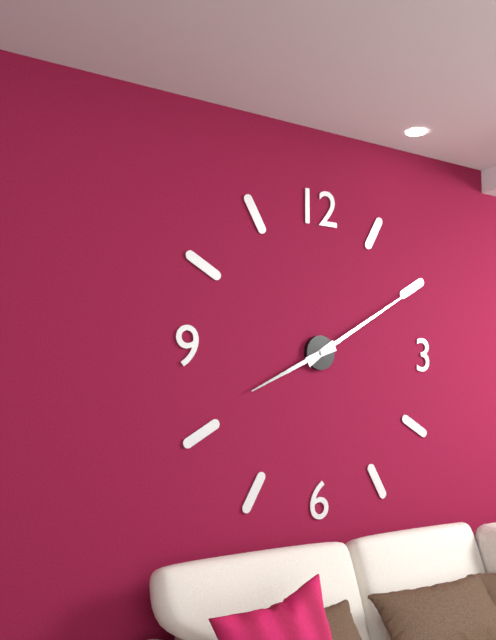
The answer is 8:10
